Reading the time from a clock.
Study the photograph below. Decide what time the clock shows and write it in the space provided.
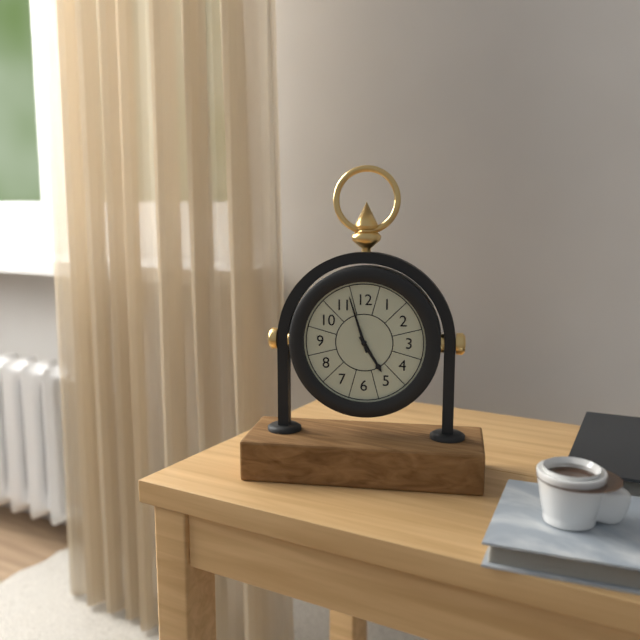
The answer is 4:57
